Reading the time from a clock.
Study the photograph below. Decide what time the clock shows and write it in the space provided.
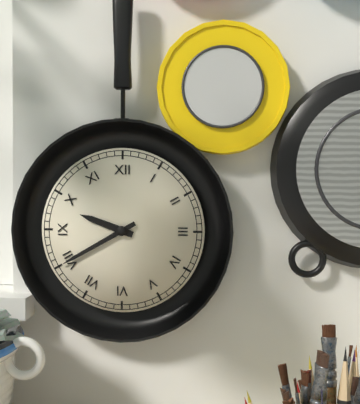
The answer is 9:40
